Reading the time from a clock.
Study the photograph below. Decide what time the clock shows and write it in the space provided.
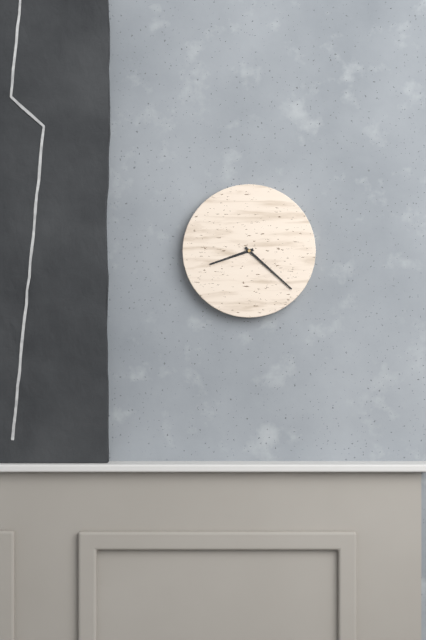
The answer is 8:22
